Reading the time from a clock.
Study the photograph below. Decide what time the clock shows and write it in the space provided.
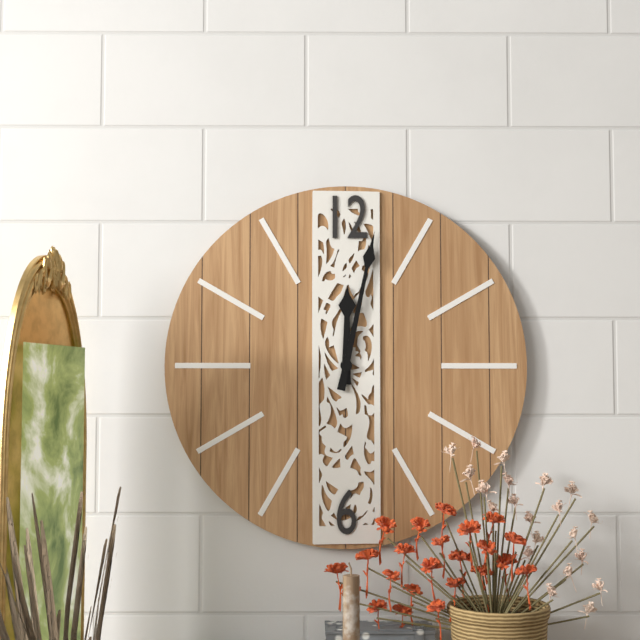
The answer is 12:02
